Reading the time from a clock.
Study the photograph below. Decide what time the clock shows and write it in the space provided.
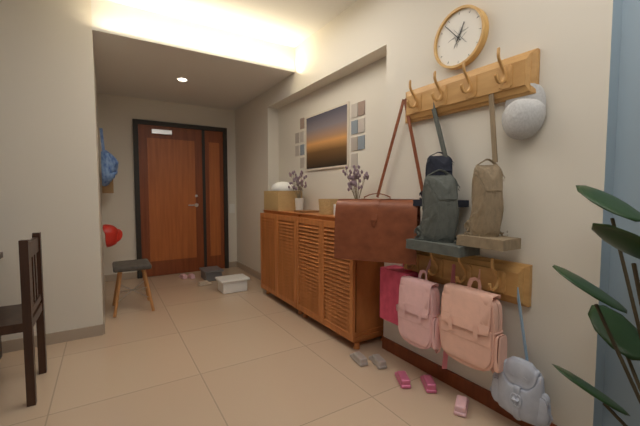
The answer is 12:53
